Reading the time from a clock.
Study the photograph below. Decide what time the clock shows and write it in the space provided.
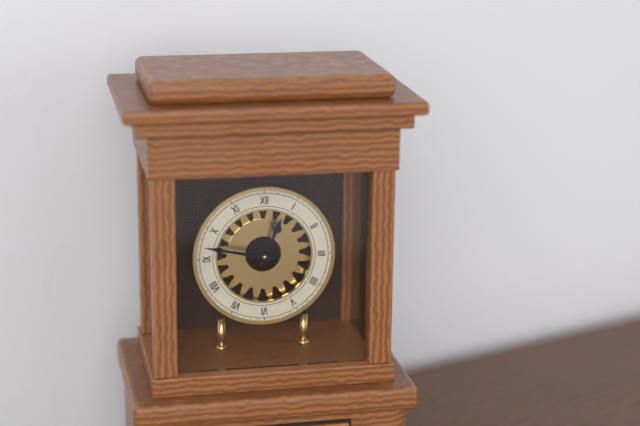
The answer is 12:47
